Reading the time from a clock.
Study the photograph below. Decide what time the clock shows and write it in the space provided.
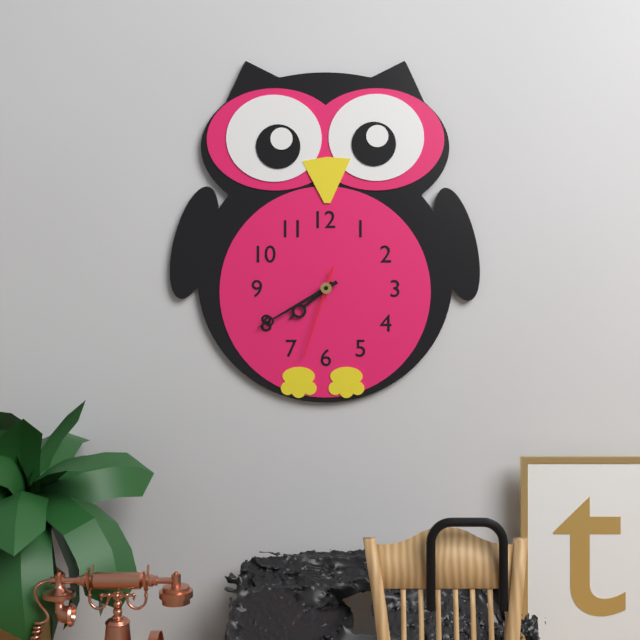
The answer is 7:40:33
